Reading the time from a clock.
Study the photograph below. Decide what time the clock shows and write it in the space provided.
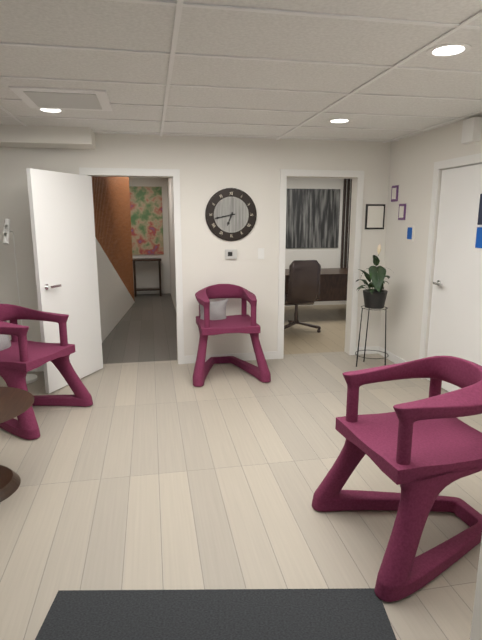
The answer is 6:43
